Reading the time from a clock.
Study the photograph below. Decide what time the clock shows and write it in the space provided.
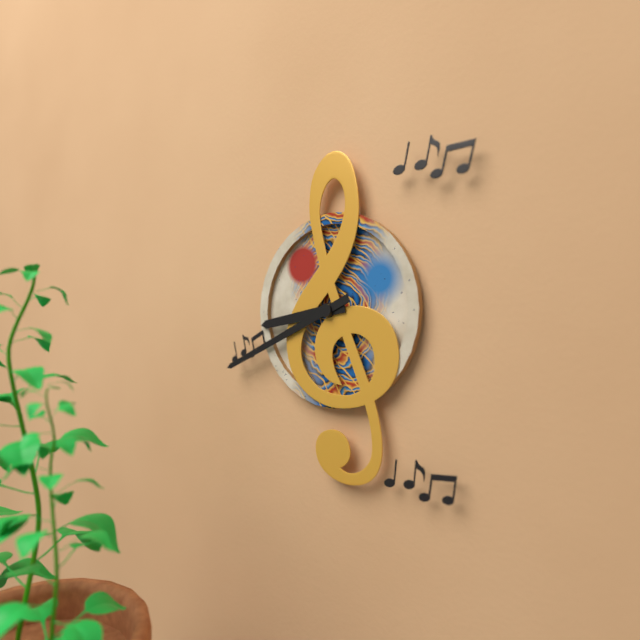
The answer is 8:41
